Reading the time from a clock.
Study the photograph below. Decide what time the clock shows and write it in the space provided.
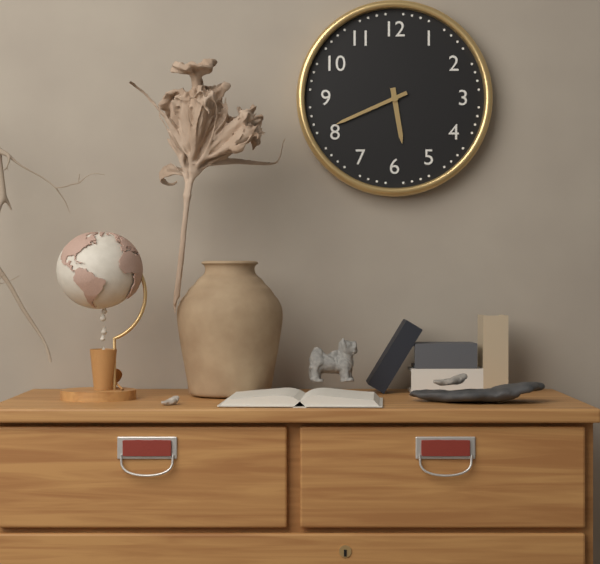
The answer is 5:41
